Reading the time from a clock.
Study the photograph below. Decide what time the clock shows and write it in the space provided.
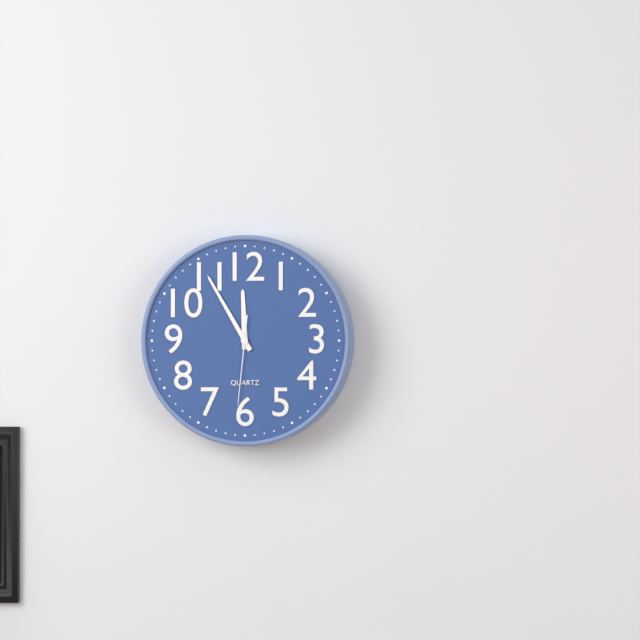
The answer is 11:55:31
